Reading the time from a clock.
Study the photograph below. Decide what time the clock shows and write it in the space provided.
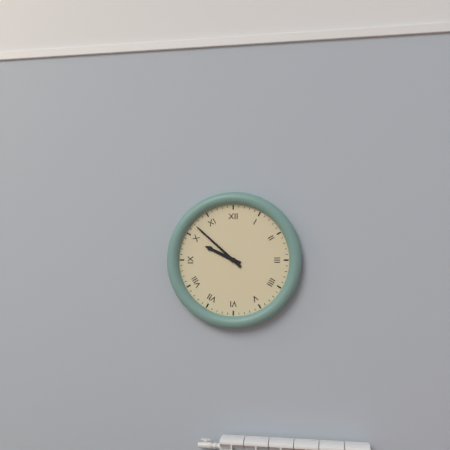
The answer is 9:52
